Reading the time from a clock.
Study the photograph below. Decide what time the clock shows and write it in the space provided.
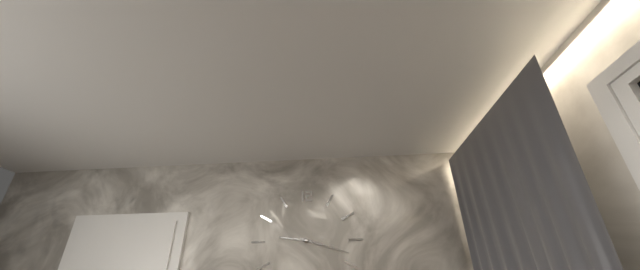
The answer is 9:18
